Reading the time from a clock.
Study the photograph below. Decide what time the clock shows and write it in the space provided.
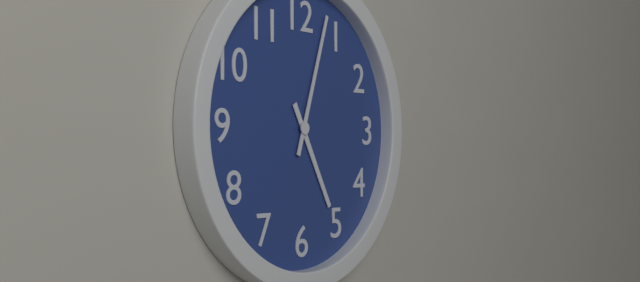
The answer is 5:03
